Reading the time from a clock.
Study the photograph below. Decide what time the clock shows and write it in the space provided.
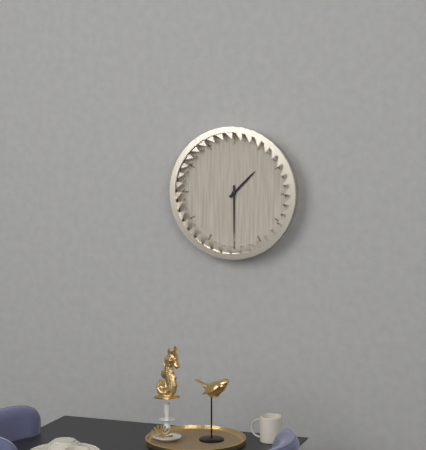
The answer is 1:30
